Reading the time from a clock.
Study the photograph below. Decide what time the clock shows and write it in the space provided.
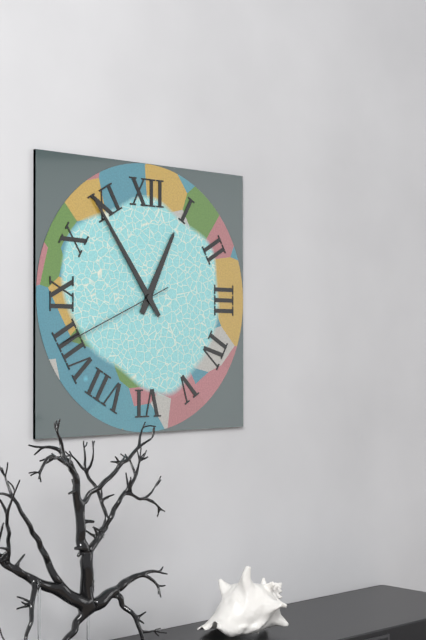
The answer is 12:54:41
